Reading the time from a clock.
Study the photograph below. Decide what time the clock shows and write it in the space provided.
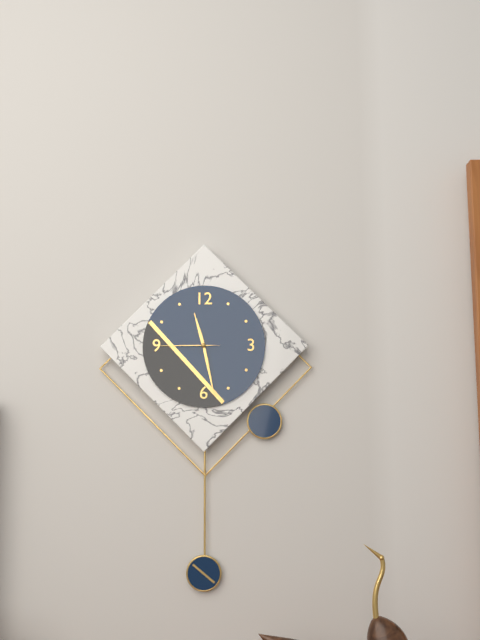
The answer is 11:28:45
